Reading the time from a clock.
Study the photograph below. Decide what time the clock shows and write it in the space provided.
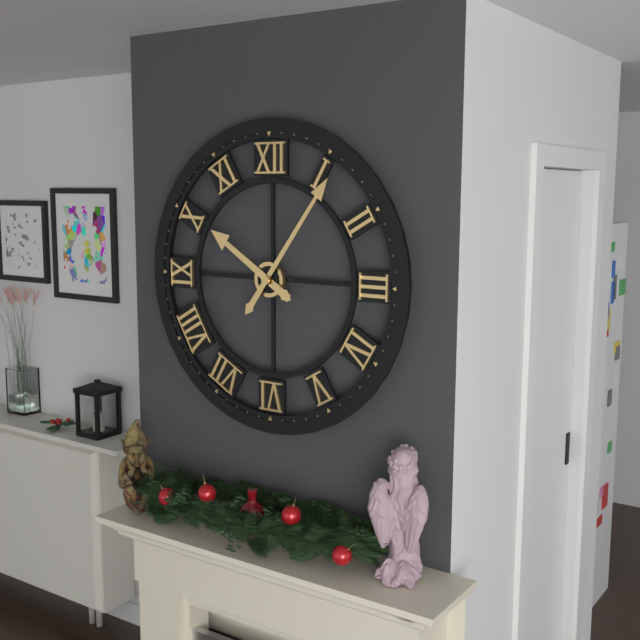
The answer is 10:06
